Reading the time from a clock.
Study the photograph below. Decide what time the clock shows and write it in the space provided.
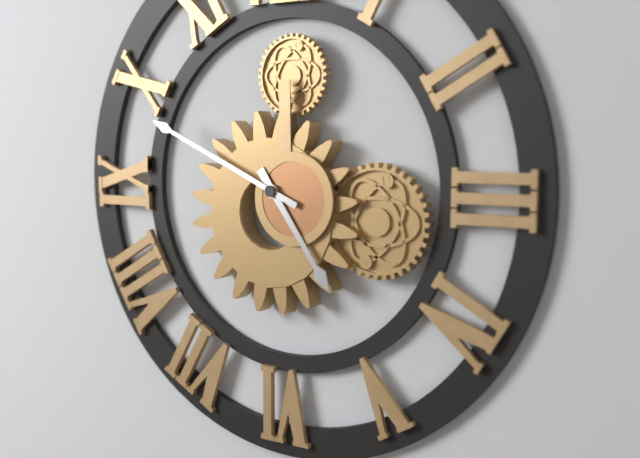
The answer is 4:49
